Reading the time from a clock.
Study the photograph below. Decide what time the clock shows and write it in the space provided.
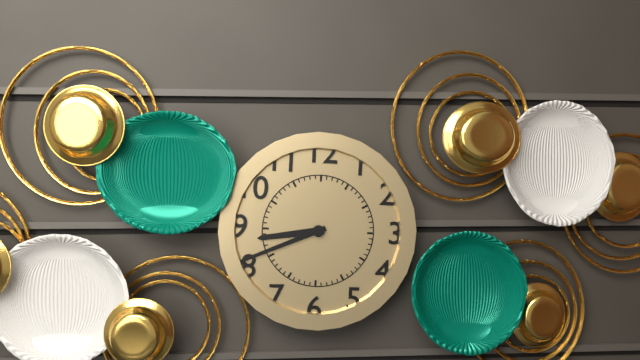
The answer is 8:41
